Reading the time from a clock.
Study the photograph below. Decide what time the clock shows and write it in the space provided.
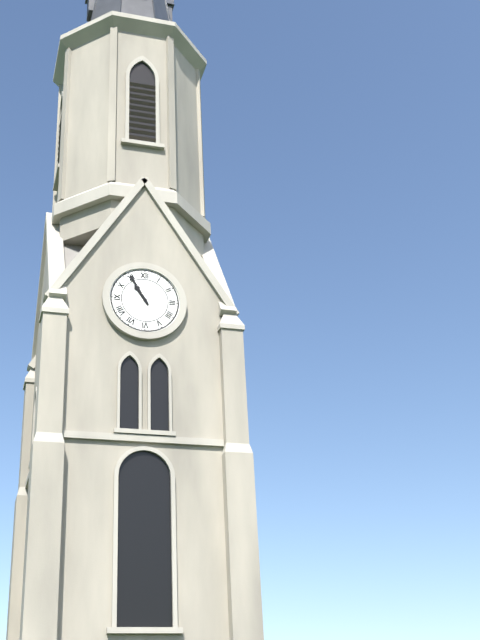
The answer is 10:55
